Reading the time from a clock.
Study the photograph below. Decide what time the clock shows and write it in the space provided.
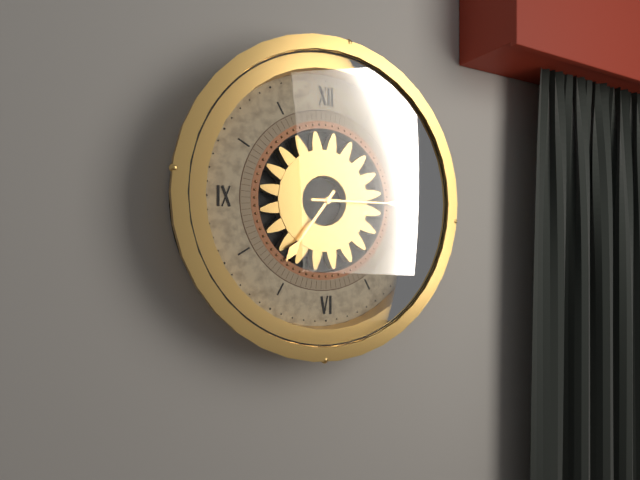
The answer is 7:15
